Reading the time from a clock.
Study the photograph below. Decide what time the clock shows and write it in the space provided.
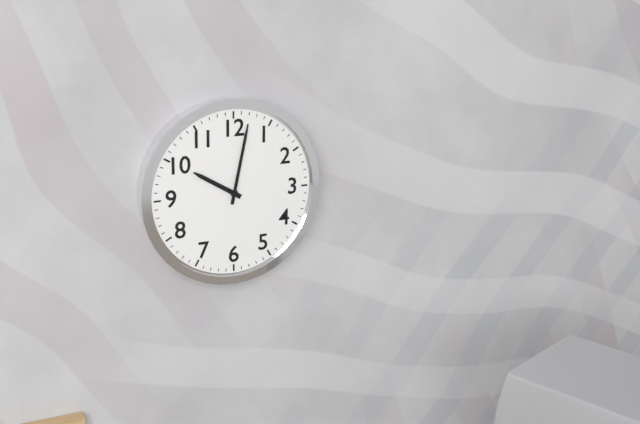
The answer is 10:02
